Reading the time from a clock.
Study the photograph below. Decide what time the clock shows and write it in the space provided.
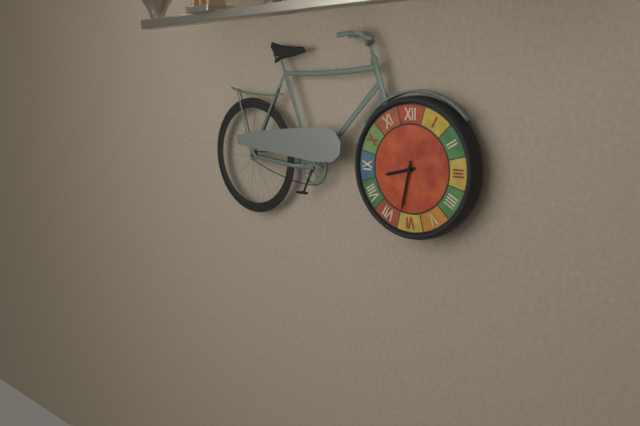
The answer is 8:32
